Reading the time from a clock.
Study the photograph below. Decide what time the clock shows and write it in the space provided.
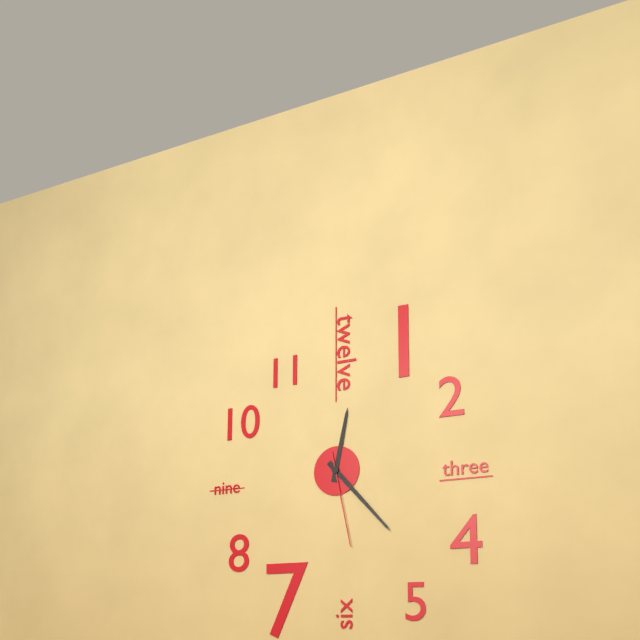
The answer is 12:23:28
